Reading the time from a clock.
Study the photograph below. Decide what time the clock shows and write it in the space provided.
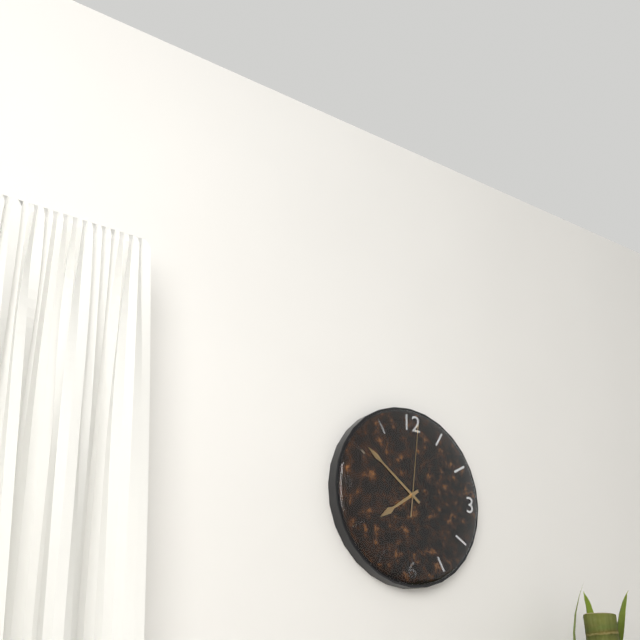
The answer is 7:51:01
